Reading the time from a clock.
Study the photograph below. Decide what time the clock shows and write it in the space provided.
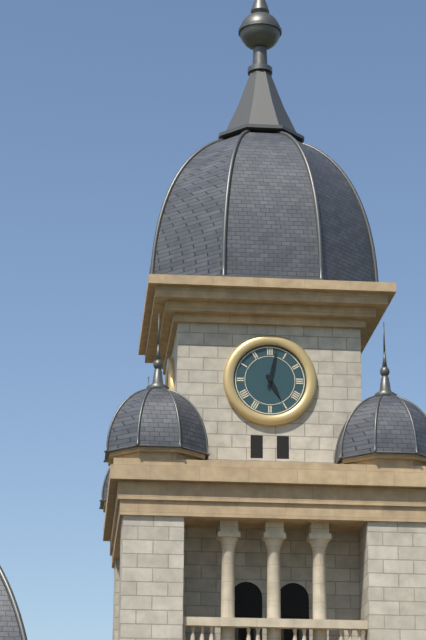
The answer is 5:02
